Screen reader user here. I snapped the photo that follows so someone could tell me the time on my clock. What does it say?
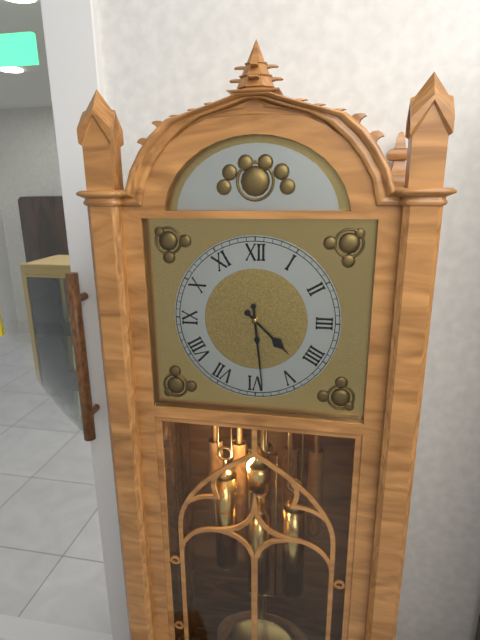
4:29
